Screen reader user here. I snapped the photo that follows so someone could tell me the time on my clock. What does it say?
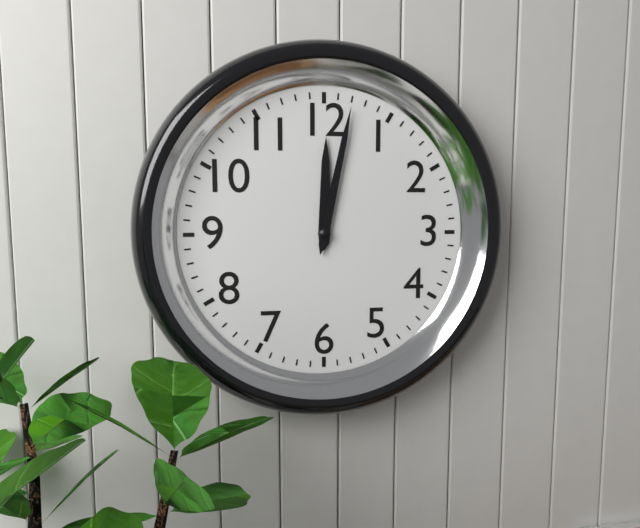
12:02
